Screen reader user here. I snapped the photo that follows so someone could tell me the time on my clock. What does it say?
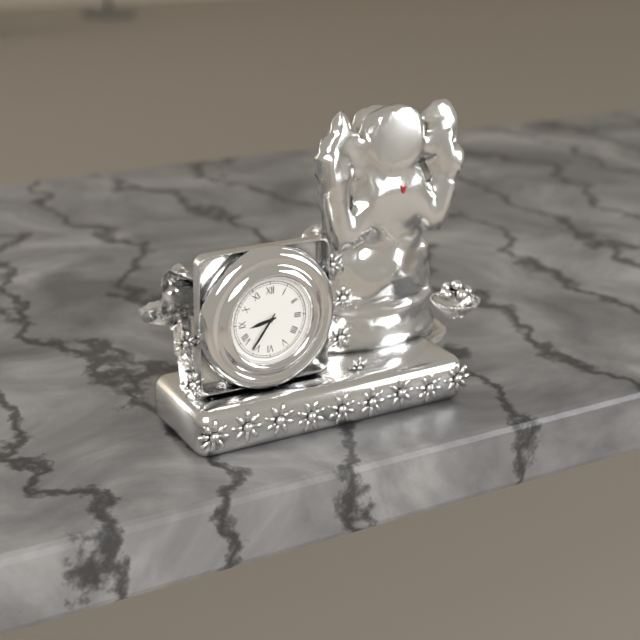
8:36
